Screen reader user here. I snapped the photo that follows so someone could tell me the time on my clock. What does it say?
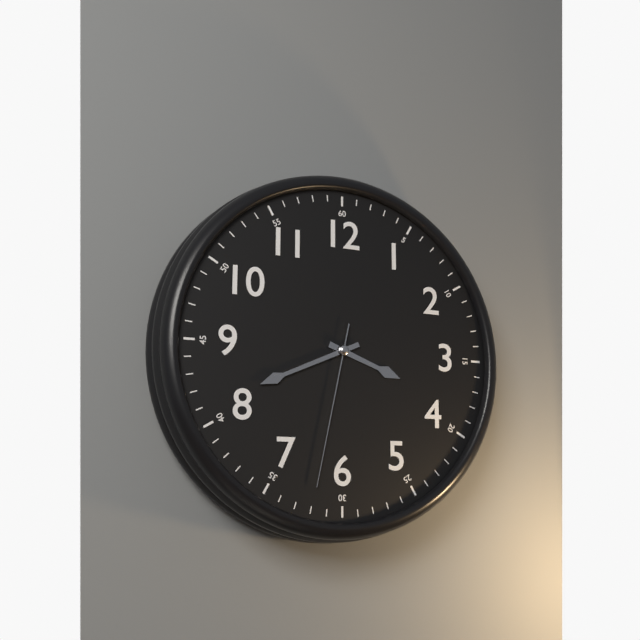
3:41:32
